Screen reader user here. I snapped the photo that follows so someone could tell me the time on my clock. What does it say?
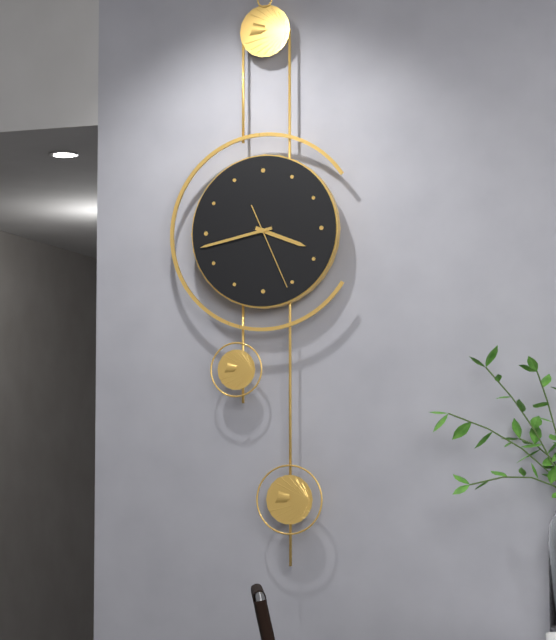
3:43:26
